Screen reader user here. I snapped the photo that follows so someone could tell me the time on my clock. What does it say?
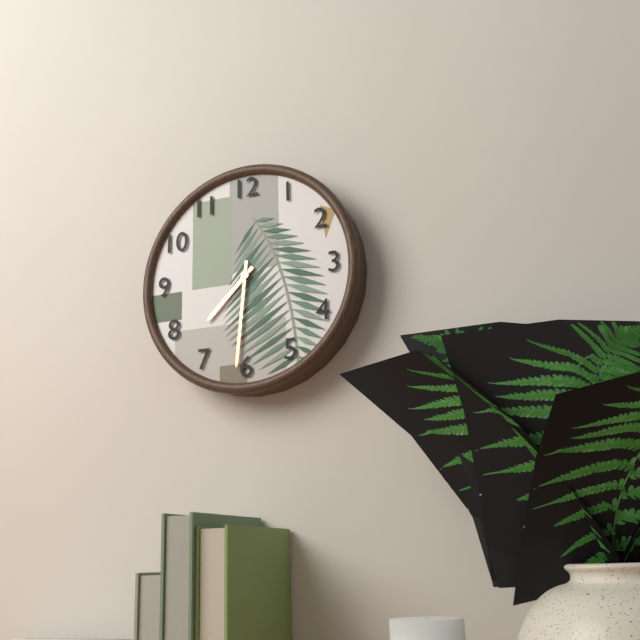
7:31
